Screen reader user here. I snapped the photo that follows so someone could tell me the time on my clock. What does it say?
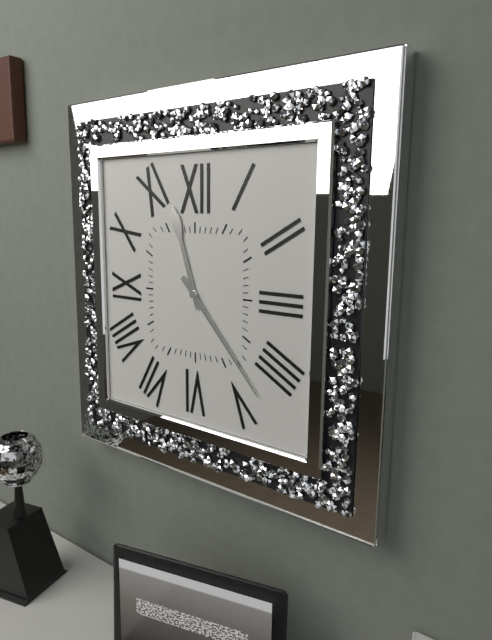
11:23
